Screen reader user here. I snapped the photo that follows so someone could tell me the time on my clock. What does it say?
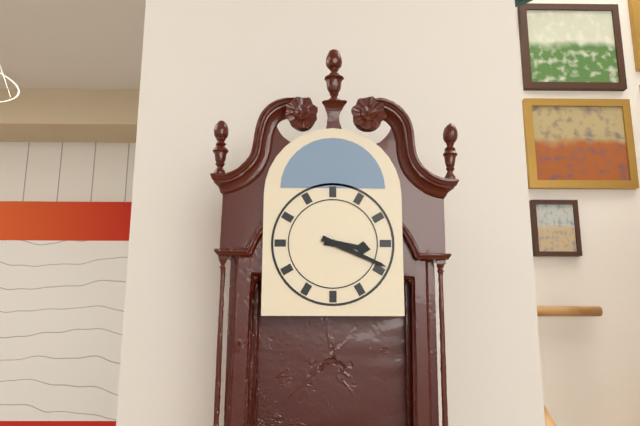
3:19
